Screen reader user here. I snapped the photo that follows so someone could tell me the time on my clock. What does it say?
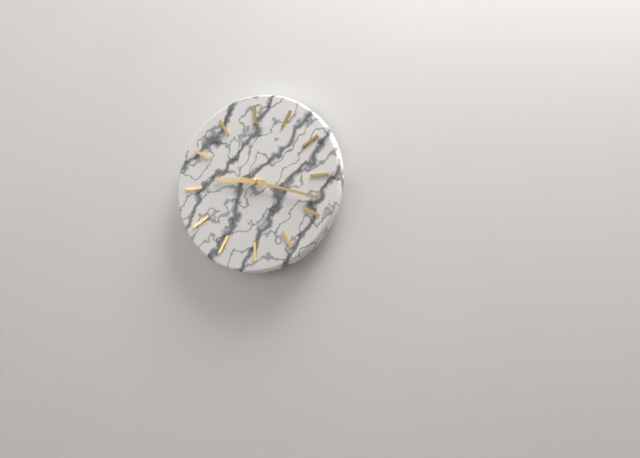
9:18
